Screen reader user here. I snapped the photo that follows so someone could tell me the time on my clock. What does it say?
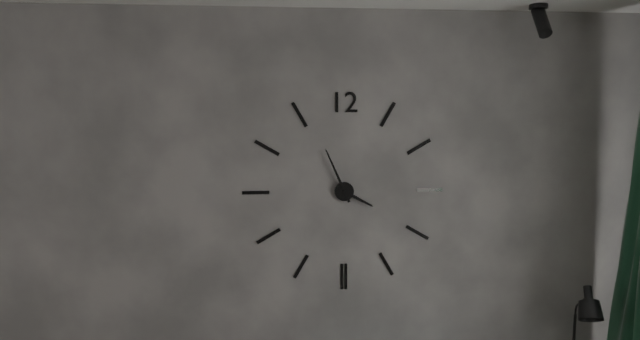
3:56
